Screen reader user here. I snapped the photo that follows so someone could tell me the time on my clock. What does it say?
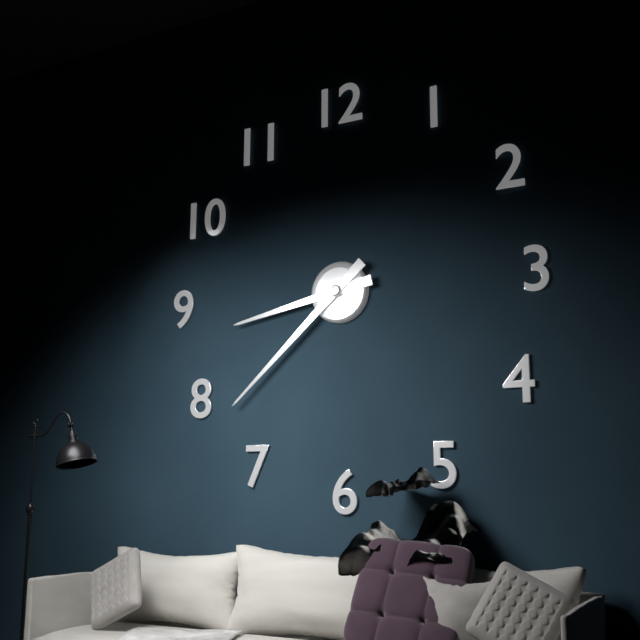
8:38
